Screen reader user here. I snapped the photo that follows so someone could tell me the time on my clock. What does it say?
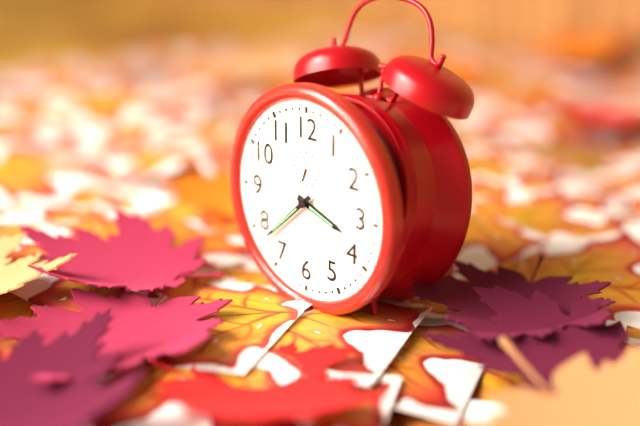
3:38
